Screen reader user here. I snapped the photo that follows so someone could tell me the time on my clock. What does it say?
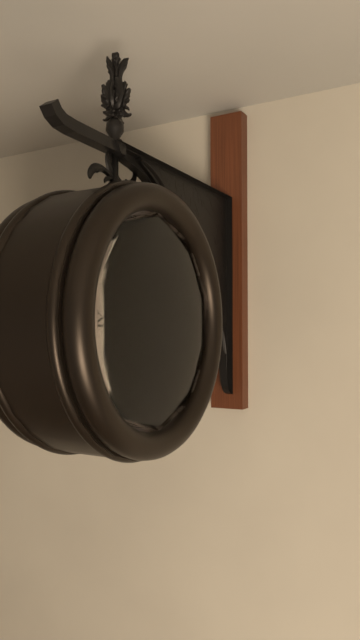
3:50:28
